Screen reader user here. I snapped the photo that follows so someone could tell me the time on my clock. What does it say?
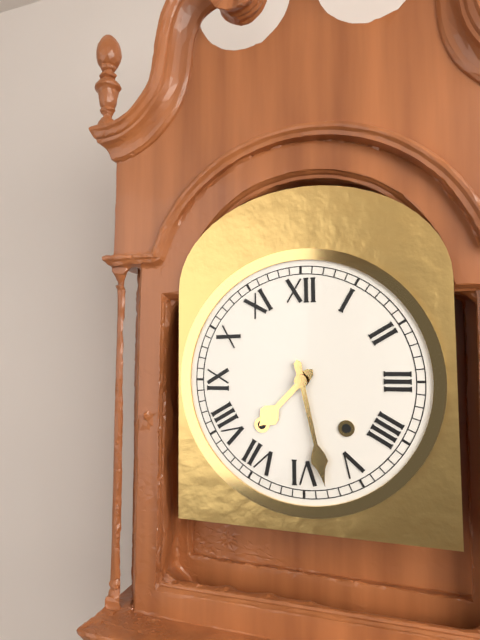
7:28
